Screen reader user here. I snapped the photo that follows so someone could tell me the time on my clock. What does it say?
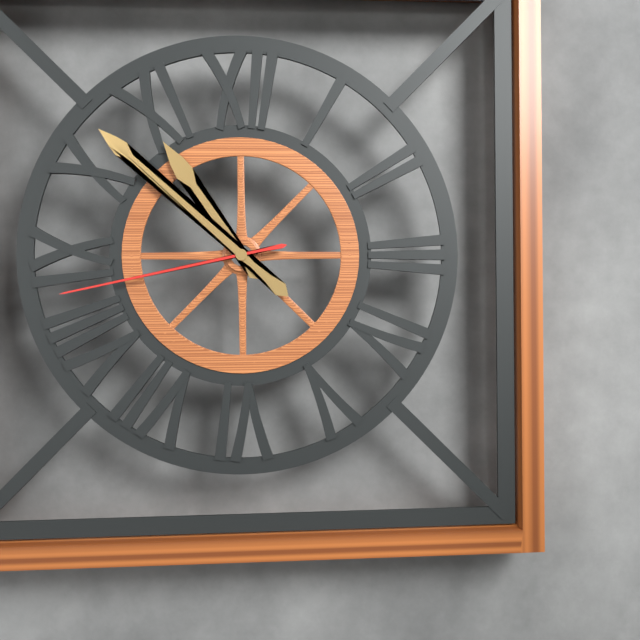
10:52:43
